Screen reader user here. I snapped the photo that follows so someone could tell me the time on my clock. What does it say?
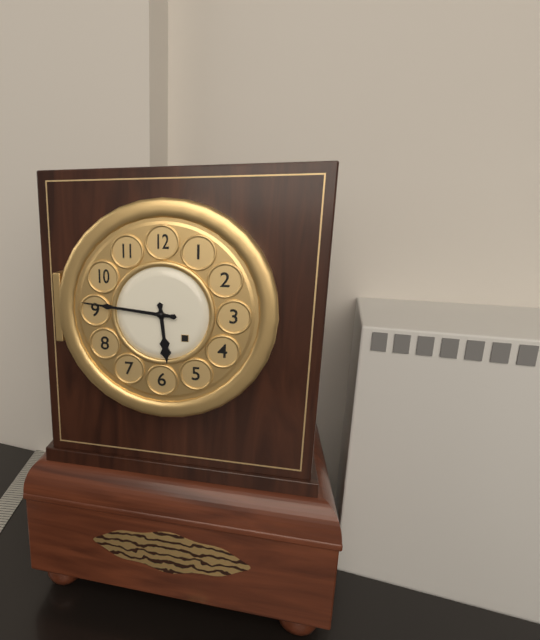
5:46
